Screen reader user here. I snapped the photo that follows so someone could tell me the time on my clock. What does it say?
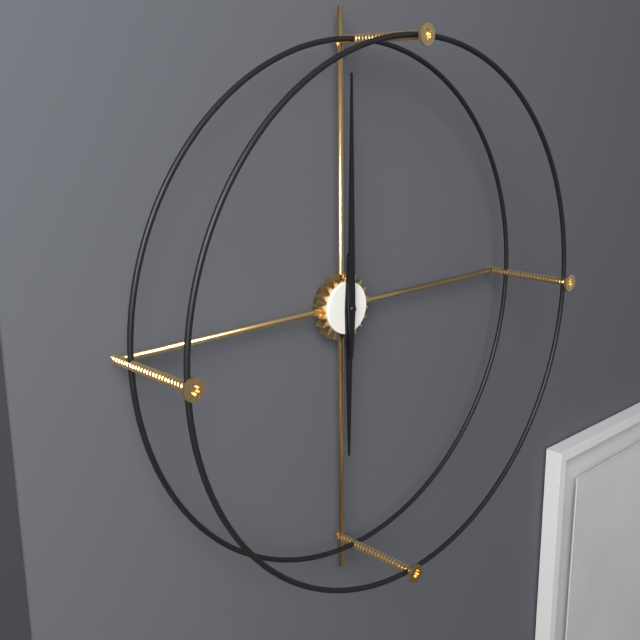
6:00
